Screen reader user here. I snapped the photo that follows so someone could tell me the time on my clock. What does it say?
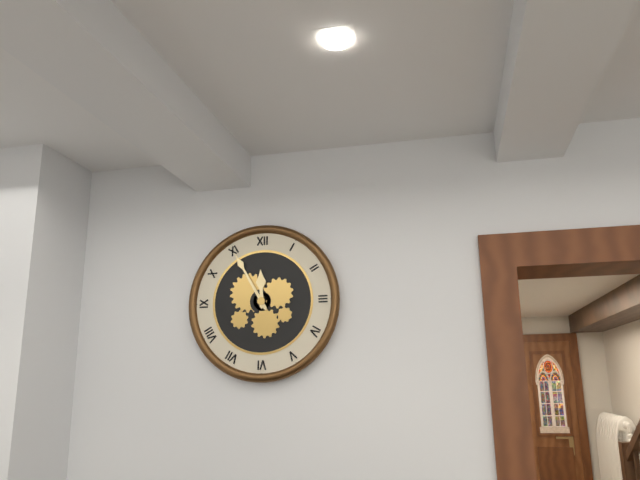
11:55
